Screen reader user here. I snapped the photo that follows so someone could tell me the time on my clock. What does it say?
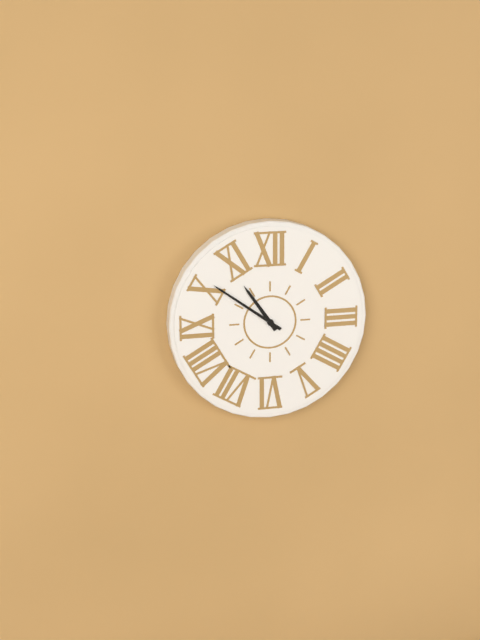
10:51
